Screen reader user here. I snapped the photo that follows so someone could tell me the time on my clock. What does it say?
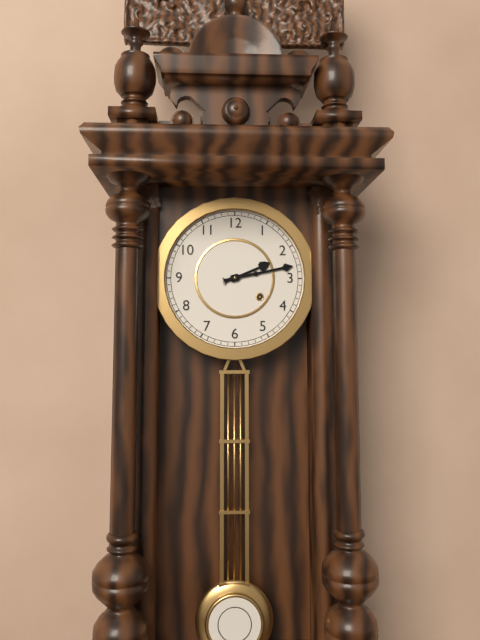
2:13
